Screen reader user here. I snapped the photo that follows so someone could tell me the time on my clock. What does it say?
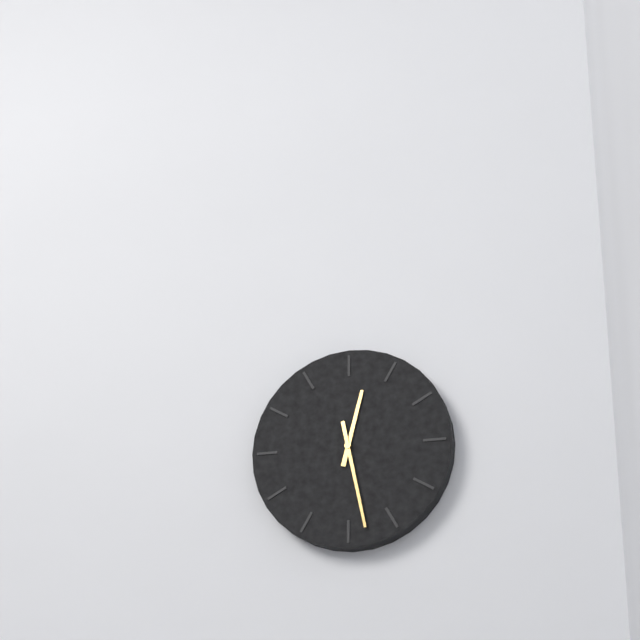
12:28
